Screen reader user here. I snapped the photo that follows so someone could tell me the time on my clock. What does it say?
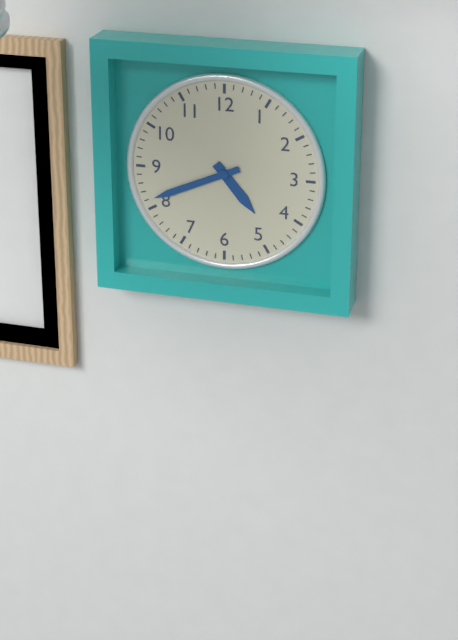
4:41
